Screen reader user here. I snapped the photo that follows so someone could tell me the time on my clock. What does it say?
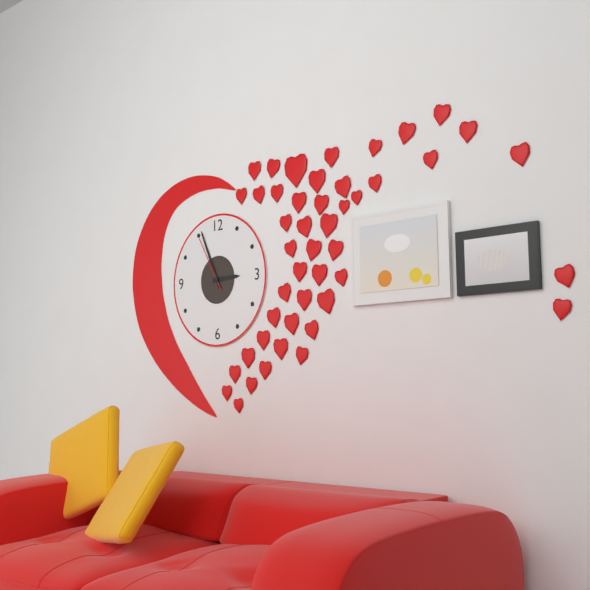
2:56:55
